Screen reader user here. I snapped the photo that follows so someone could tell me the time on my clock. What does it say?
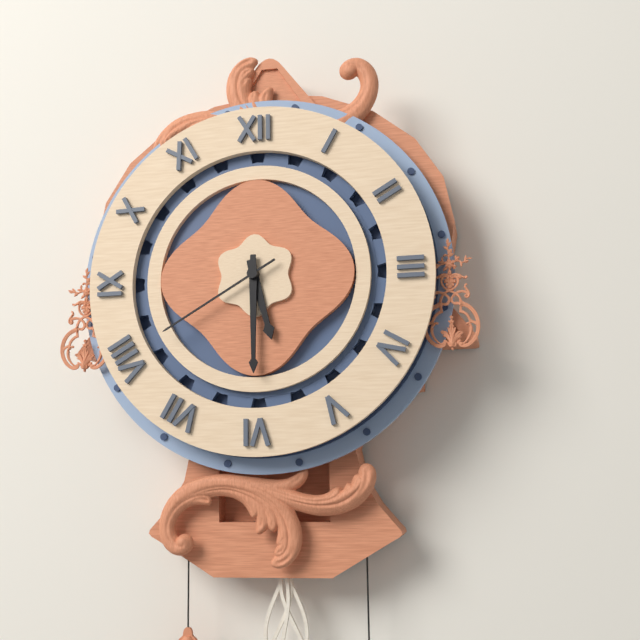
5:30:40
